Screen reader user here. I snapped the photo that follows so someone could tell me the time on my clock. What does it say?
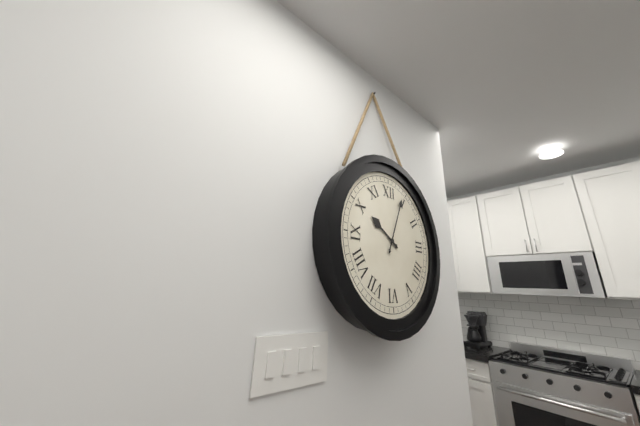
10:04
